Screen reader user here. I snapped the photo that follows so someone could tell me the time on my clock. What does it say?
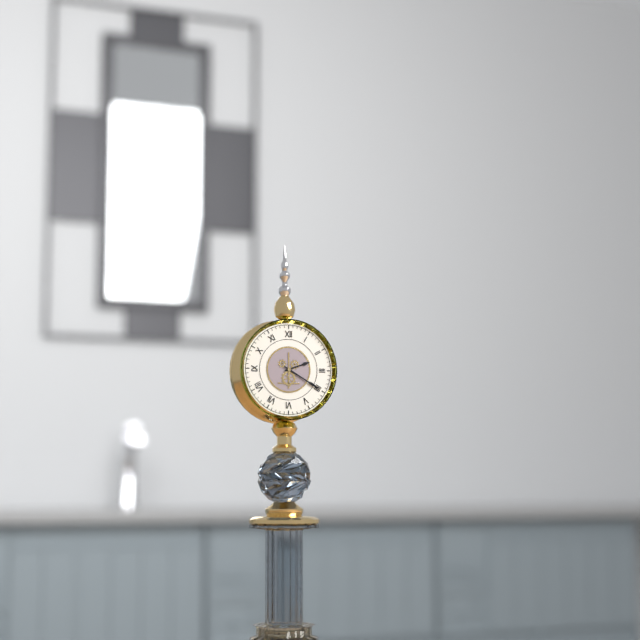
2:20
